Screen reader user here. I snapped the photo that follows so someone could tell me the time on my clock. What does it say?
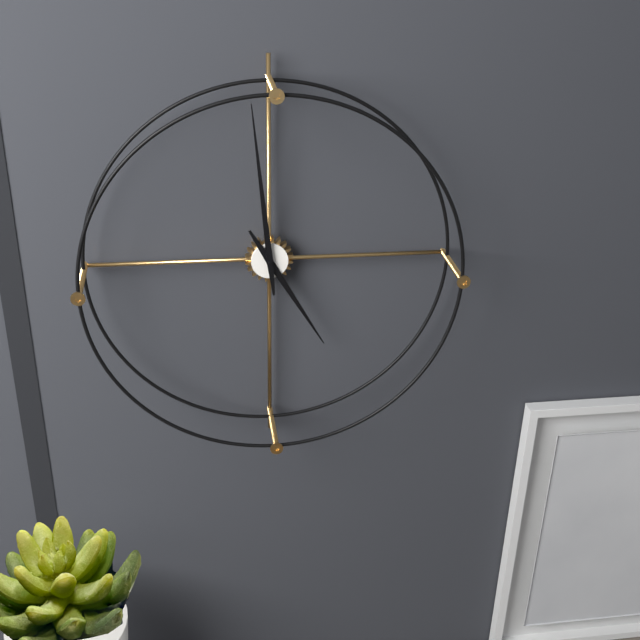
4:59
